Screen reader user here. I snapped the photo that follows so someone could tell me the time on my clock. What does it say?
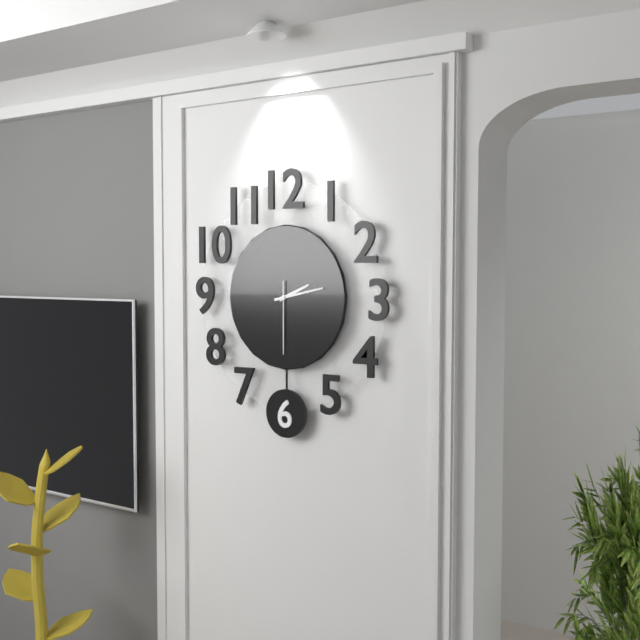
2:13:30
